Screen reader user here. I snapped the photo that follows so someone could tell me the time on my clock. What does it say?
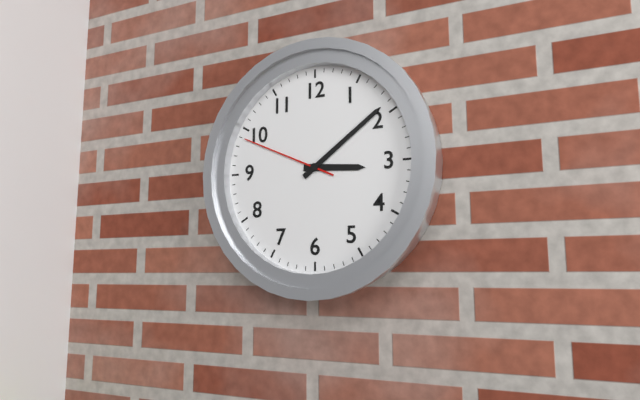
3:09:49
